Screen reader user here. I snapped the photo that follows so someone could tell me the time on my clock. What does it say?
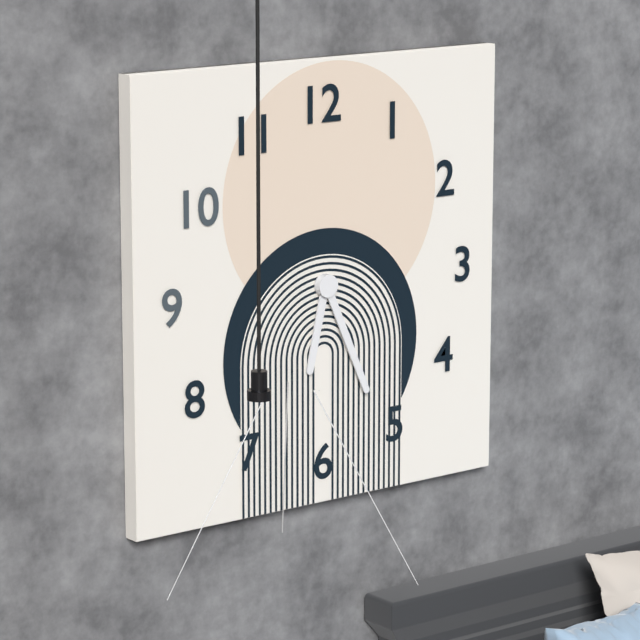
6:26
